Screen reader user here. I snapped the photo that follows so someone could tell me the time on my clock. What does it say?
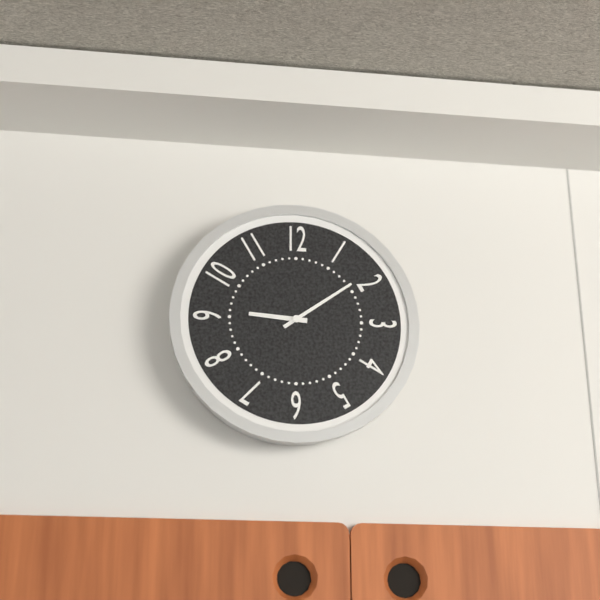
9:09
